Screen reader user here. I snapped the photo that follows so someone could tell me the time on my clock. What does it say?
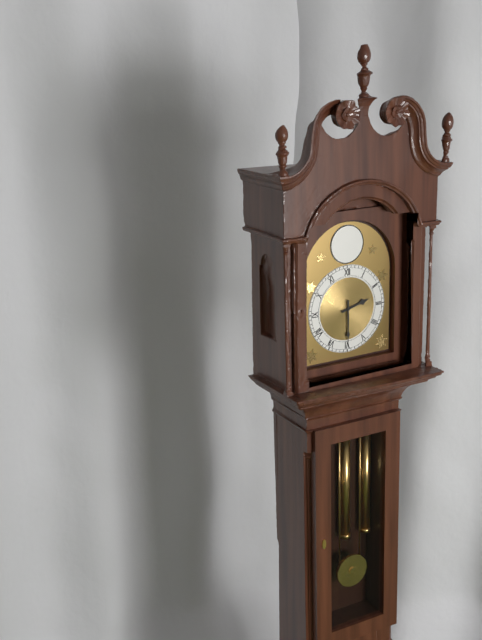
2:30
